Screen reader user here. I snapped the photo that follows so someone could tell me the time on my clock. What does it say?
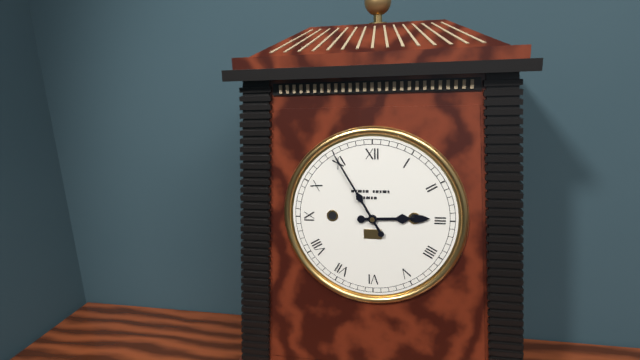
2:55
